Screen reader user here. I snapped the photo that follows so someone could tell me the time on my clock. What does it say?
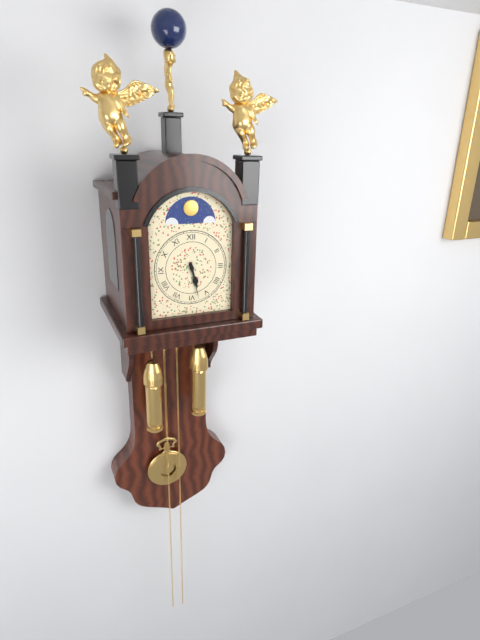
5:28
